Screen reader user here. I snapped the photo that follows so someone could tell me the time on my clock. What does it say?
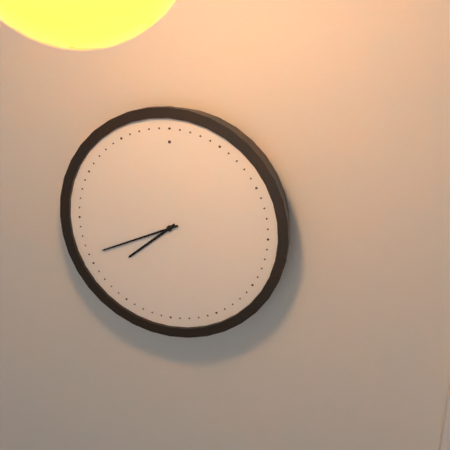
7:41
